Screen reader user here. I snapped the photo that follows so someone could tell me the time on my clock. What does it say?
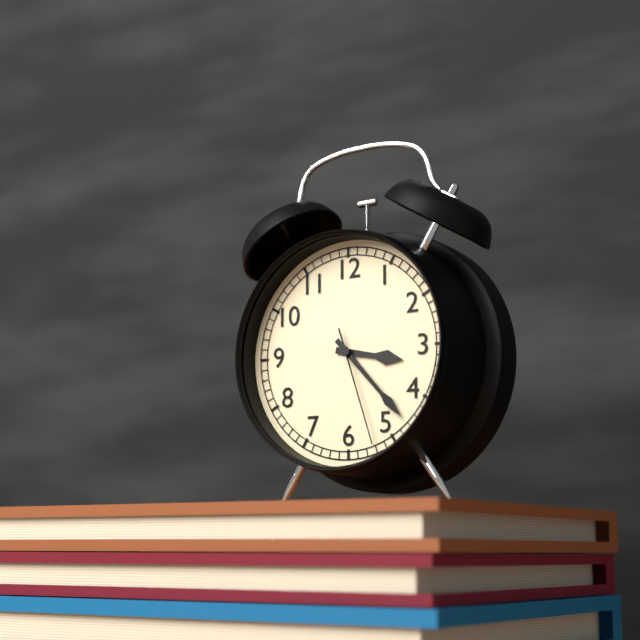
3:23:27
